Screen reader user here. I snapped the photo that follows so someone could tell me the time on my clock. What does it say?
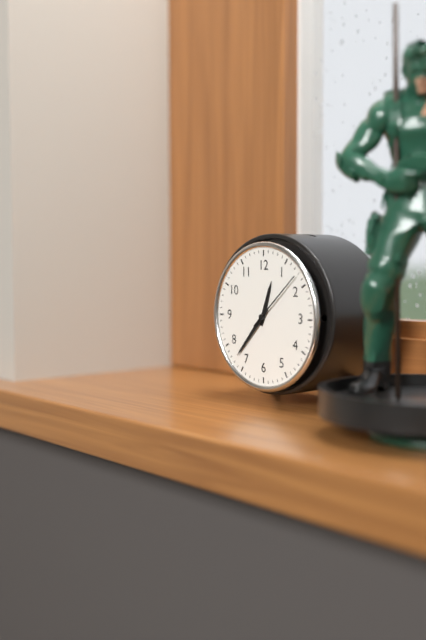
12:37:08
